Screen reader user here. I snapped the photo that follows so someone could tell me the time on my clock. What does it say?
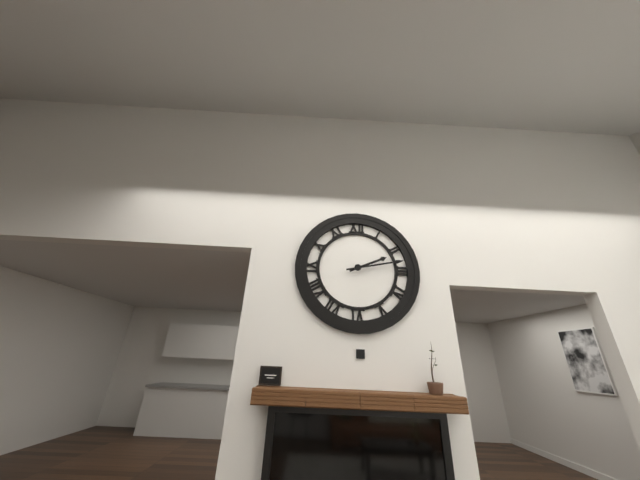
2:13
